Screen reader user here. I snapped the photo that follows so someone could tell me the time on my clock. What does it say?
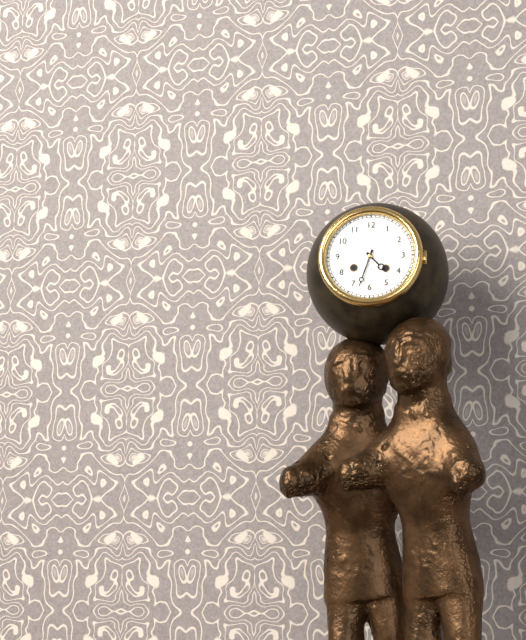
4:33
